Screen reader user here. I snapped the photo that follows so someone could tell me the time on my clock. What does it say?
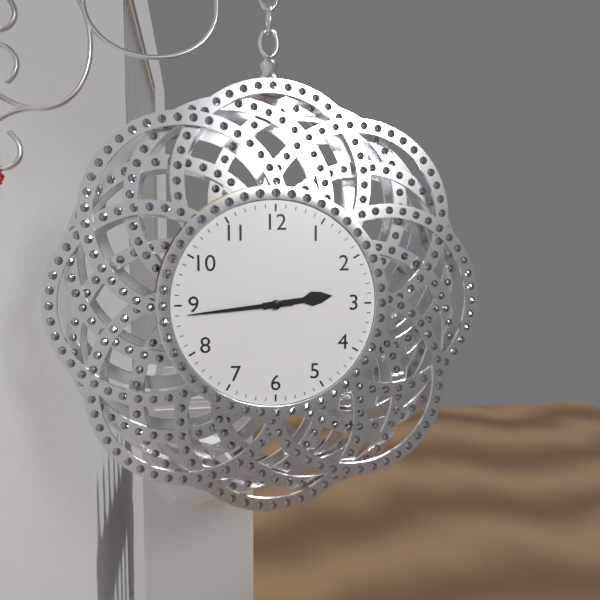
2:44
